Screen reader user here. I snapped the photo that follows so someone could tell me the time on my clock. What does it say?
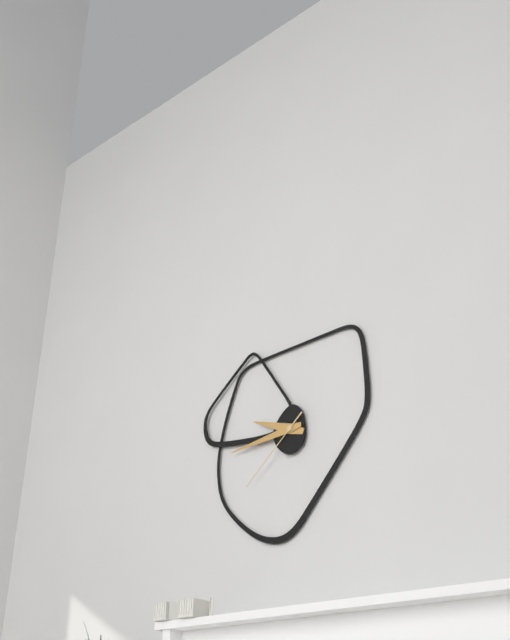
9:44:38
